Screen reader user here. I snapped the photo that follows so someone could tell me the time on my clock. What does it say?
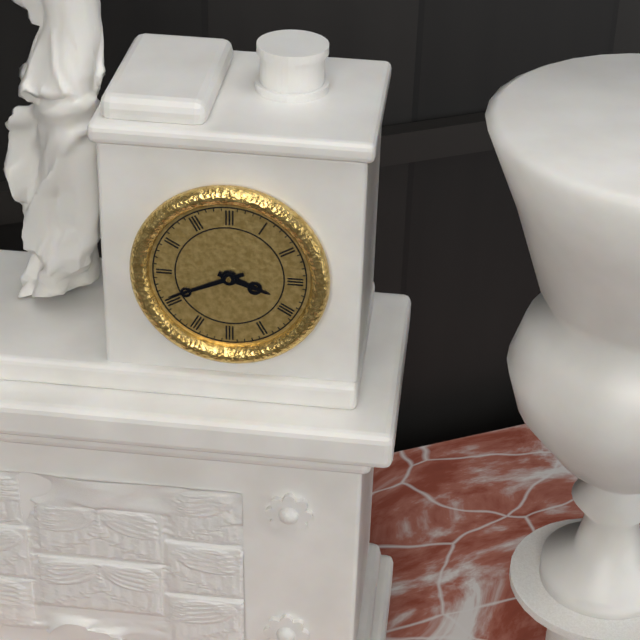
3:41
